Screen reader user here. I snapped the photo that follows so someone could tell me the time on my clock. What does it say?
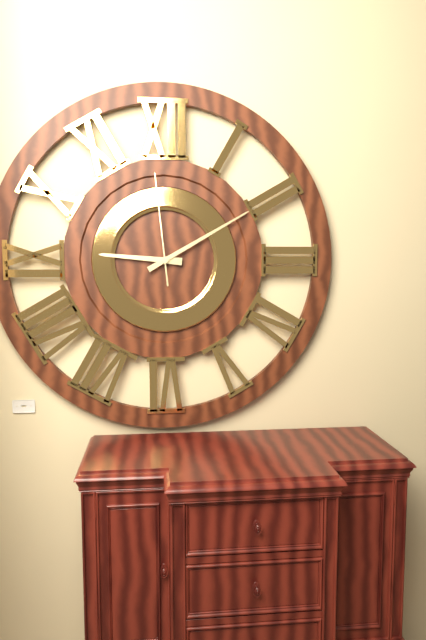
9:10:59
